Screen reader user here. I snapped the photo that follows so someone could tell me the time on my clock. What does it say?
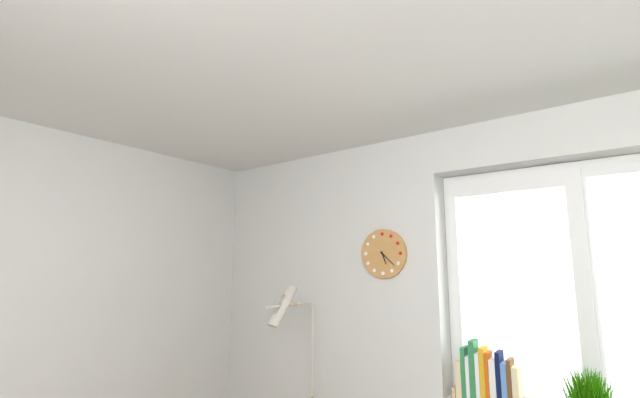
5:22
